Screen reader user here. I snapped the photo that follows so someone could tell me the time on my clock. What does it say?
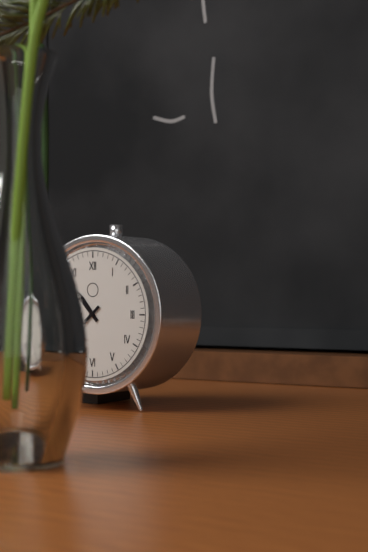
10:38
